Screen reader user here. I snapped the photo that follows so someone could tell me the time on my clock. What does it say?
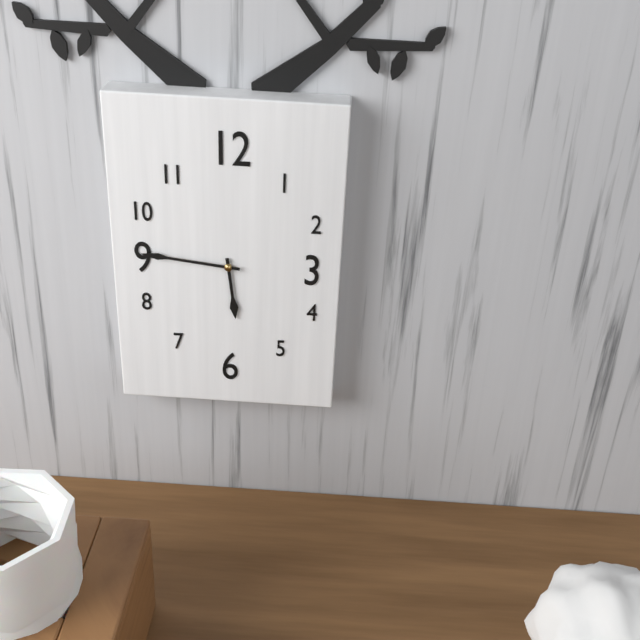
5:46
